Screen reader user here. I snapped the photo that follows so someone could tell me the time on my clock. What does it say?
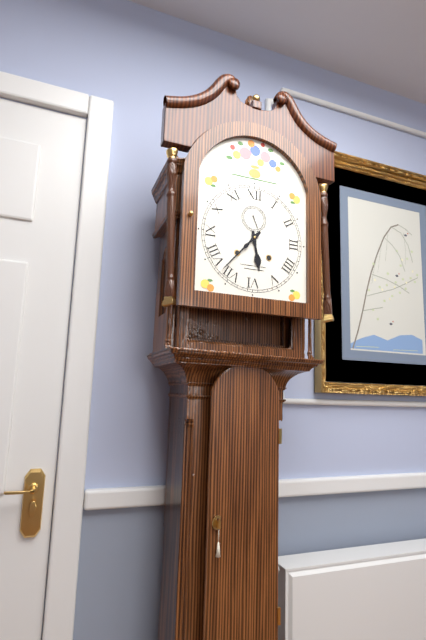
5:37
